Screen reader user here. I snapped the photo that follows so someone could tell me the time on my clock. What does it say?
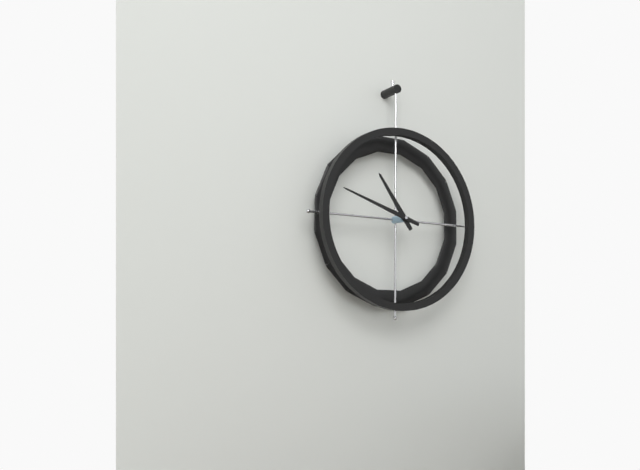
10:48
